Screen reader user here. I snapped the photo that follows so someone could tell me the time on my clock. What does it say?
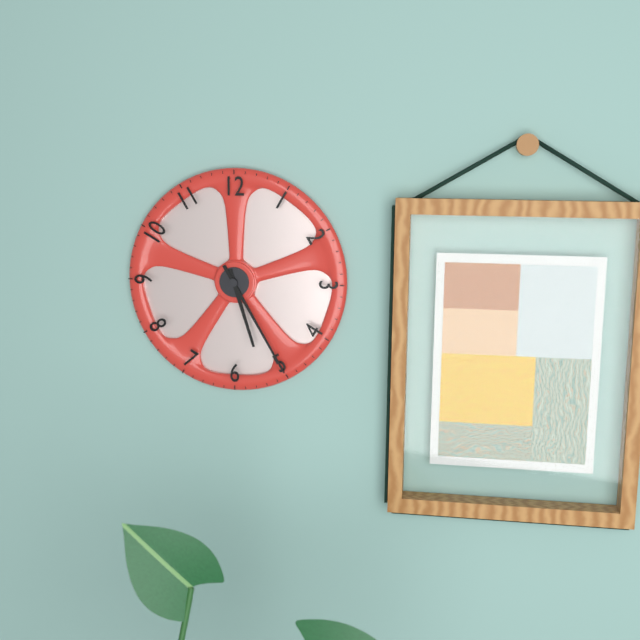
5:25
